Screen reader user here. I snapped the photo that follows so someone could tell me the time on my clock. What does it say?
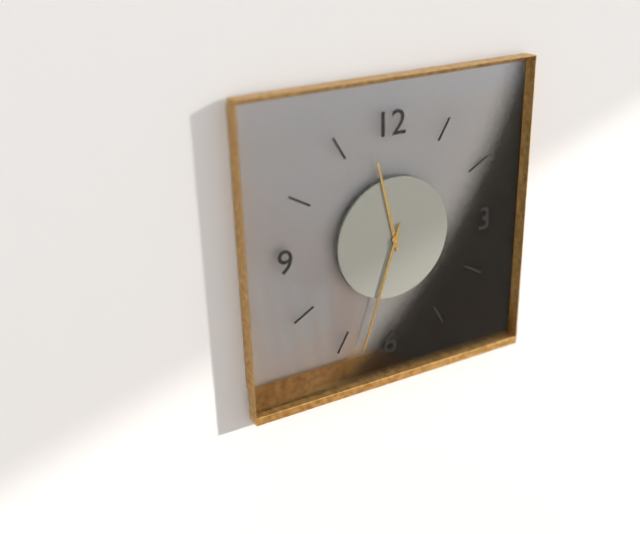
11:33
